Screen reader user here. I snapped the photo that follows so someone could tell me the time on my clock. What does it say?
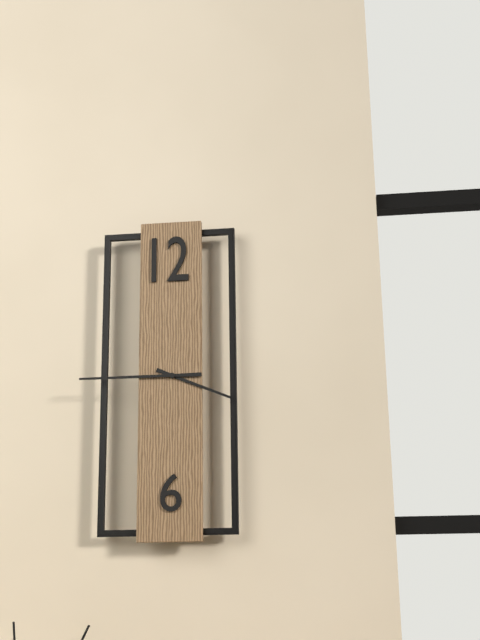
3:45
